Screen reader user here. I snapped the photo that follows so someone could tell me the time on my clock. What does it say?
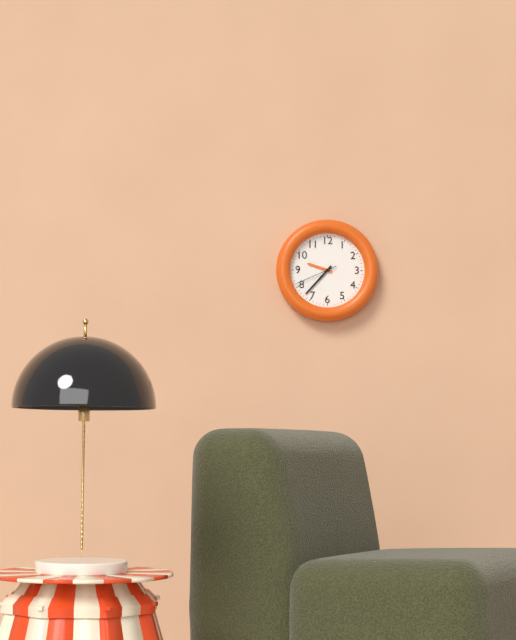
9:37
